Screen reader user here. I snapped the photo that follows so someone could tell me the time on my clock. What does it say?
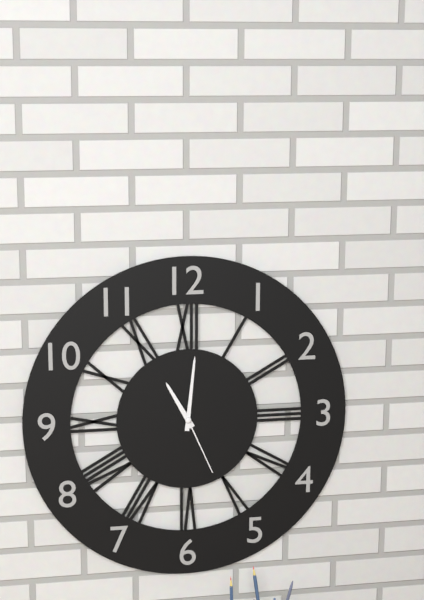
11:01:26
